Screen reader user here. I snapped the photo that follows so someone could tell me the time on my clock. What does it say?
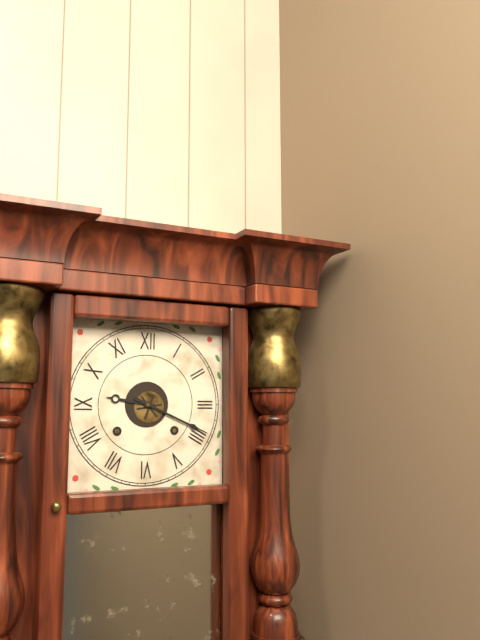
9:19
